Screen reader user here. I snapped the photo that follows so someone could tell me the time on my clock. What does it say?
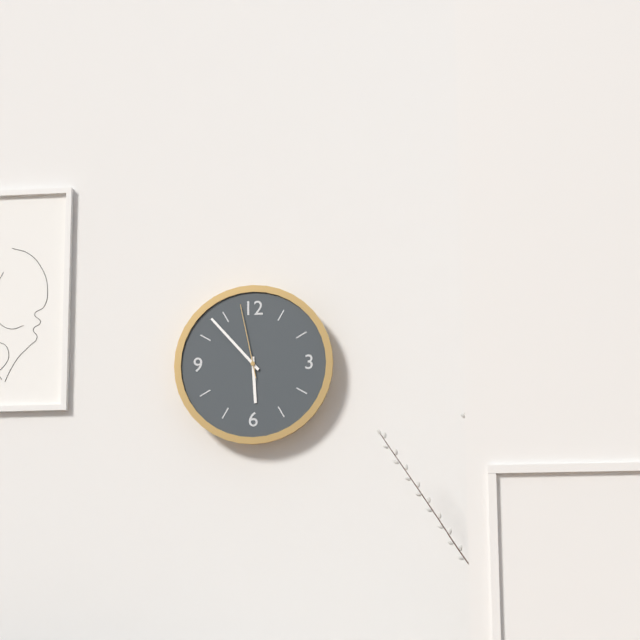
5:53:58
